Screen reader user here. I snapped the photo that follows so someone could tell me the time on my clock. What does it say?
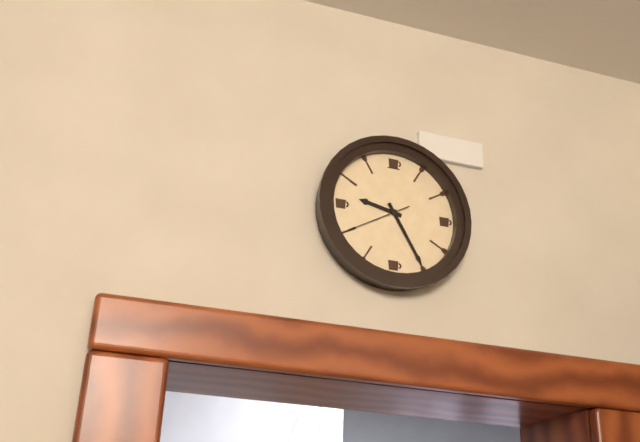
9:25:40
